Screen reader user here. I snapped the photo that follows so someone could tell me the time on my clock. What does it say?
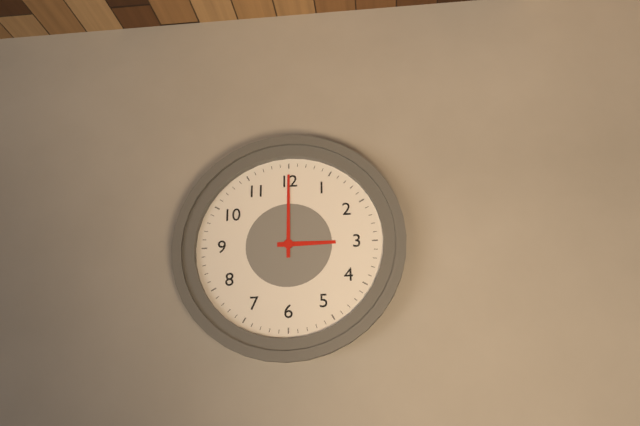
3:00
